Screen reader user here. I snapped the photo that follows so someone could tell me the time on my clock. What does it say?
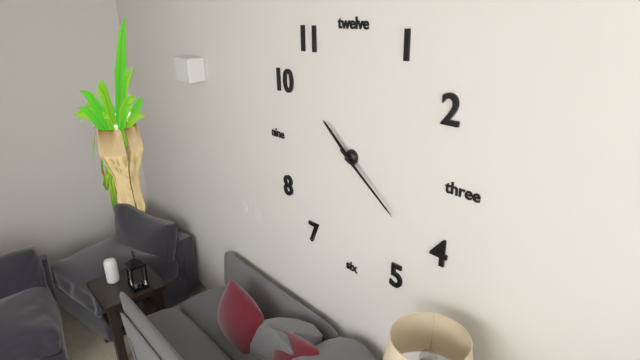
10:21
